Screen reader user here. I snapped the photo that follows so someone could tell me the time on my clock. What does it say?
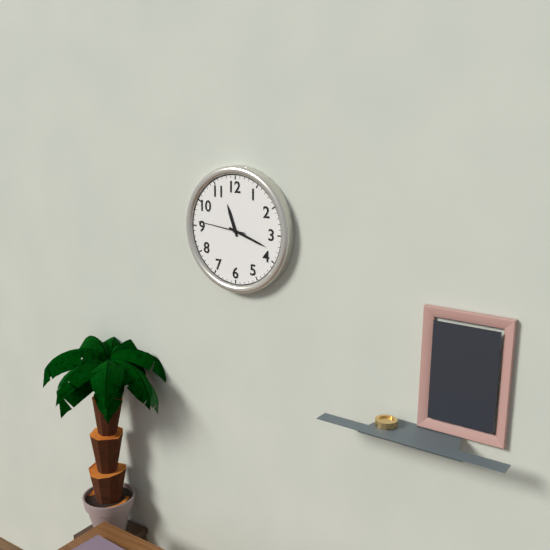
11:18
